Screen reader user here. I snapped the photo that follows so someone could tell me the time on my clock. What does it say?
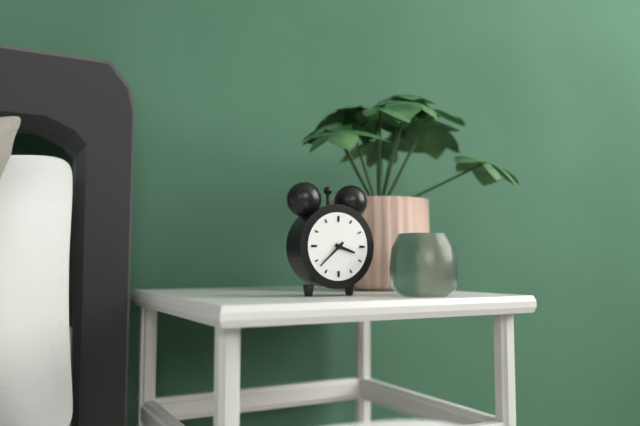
3:38
